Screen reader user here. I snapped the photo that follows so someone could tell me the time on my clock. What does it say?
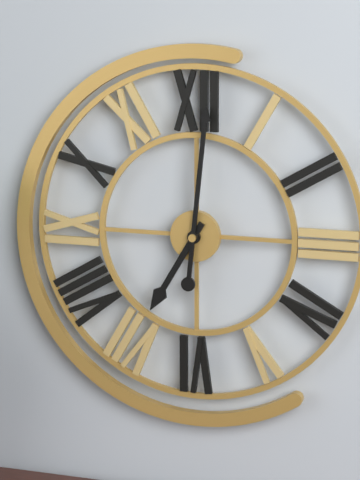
7:01
